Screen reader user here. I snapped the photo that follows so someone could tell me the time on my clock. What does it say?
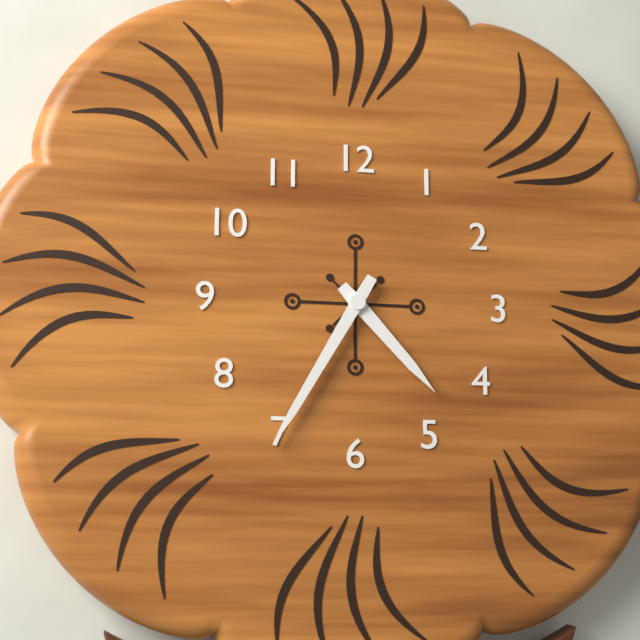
4:35
